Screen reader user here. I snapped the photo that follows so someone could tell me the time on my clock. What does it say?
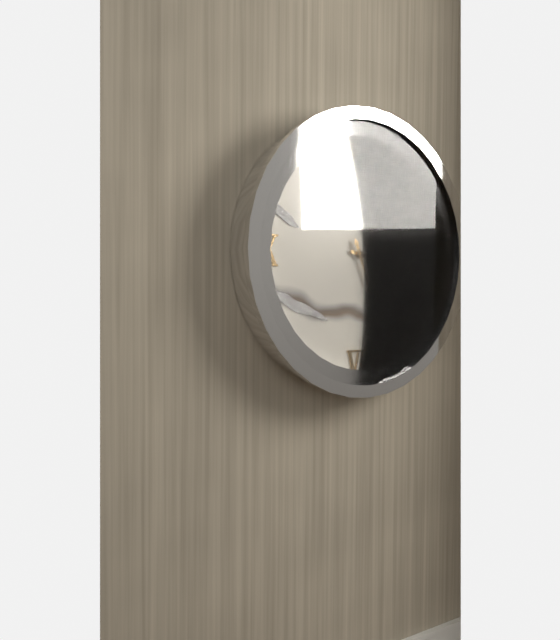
3:26
